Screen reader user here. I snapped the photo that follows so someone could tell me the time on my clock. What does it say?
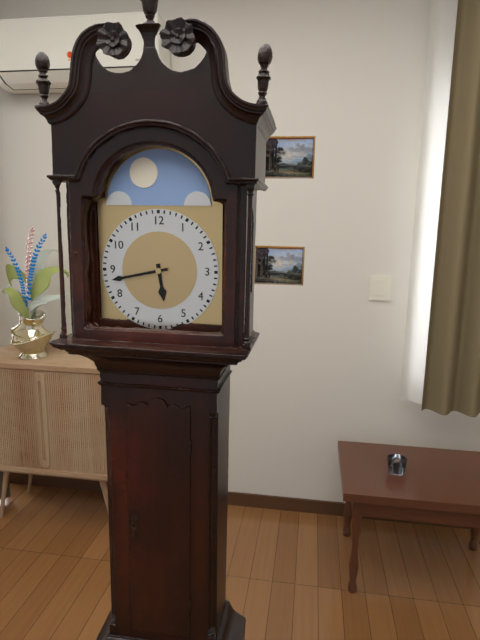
5:43
